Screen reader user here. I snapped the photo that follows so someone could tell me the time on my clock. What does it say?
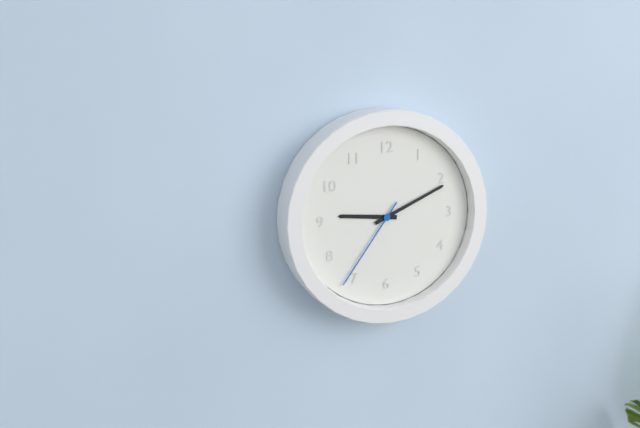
9:11:36
